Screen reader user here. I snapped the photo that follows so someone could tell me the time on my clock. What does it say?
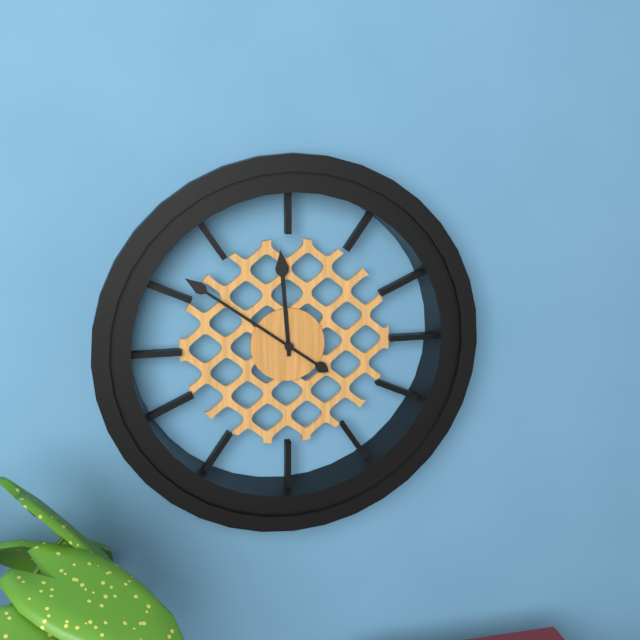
11:51
